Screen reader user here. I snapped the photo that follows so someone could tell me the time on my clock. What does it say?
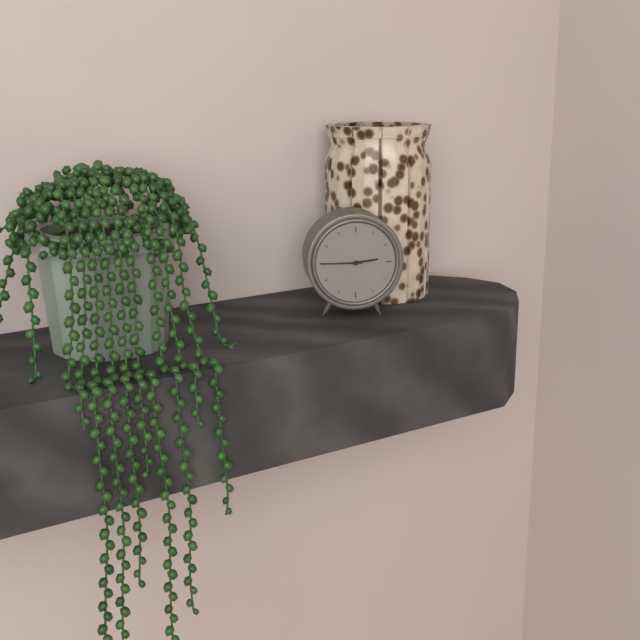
2:45
